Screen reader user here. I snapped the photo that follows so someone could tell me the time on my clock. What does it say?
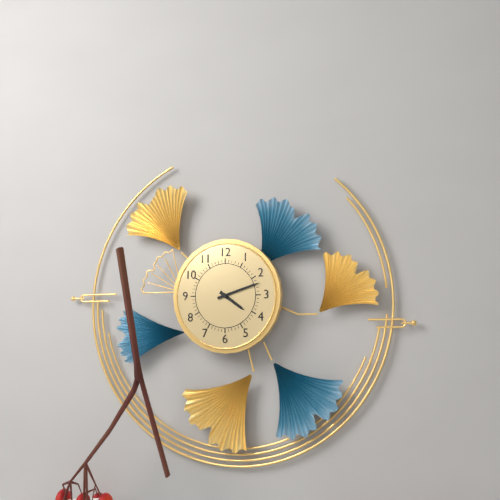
4:12
